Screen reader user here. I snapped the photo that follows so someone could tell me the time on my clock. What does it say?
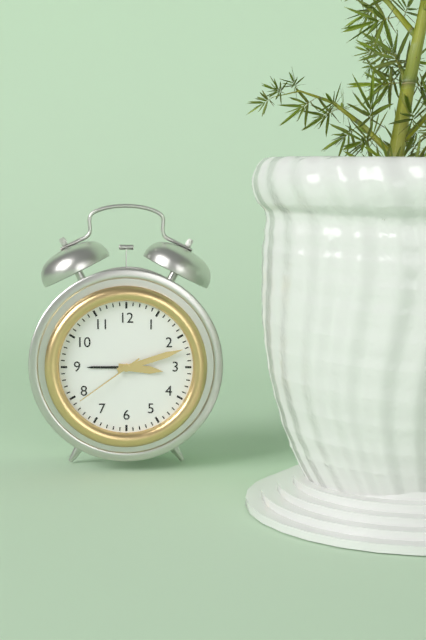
3:12:39
